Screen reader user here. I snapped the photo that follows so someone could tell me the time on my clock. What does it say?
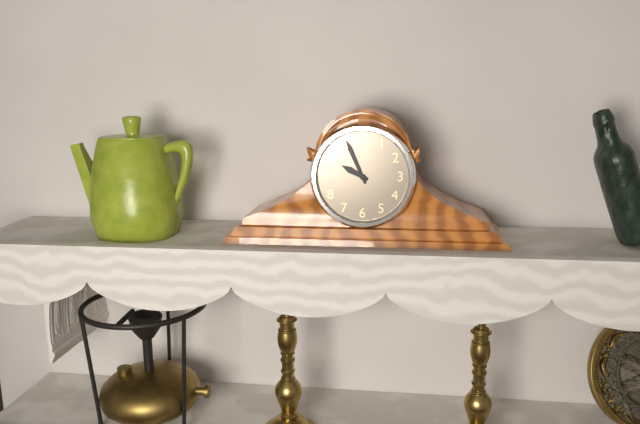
9:56
